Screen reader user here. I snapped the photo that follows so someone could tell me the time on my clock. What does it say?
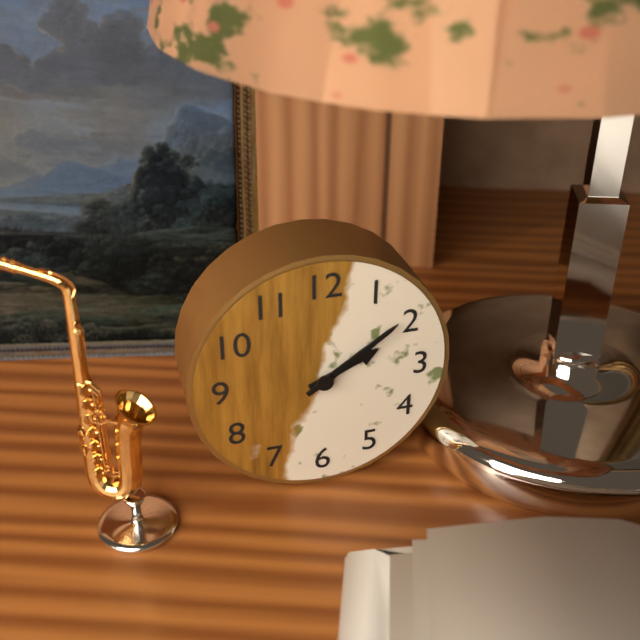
2:09
